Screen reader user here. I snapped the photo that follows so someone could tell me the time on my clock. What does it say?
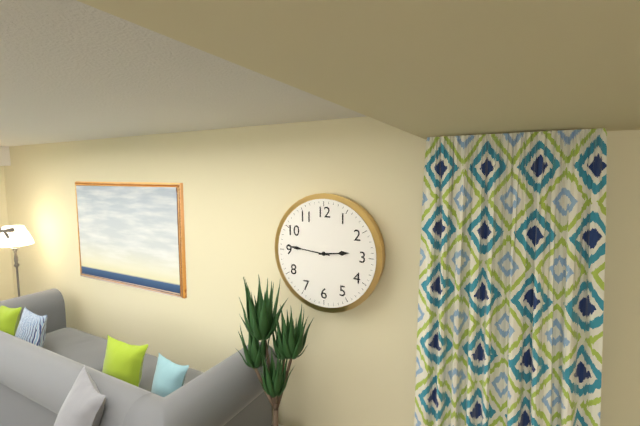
2:46
